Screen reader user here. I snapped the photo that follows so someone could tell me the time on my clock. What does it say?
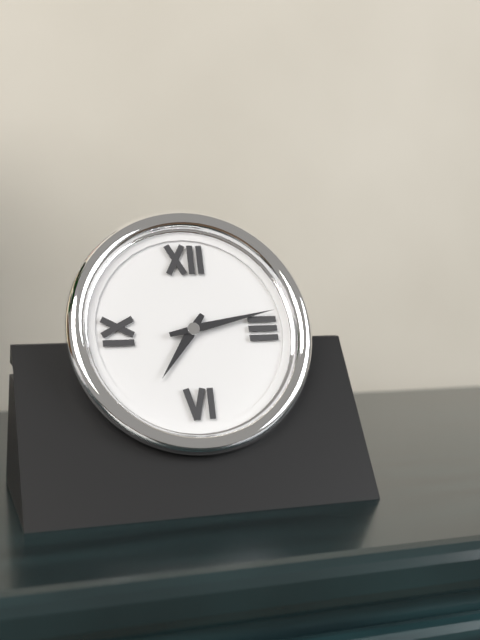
7:13
